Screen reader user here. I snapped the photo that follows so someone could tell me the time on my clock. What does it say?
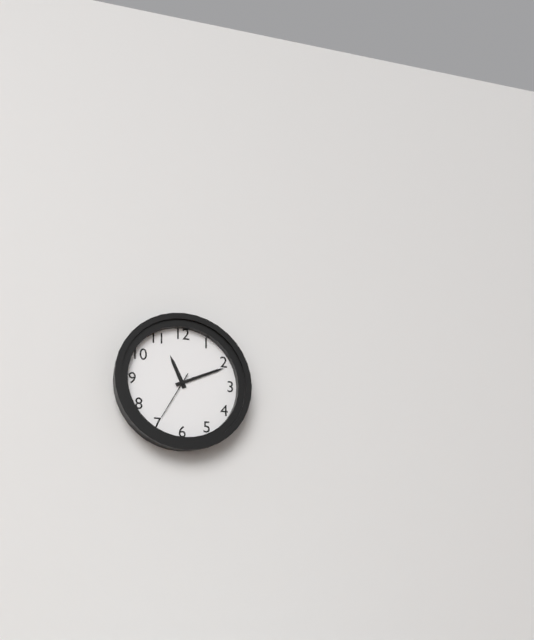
11:11:35
